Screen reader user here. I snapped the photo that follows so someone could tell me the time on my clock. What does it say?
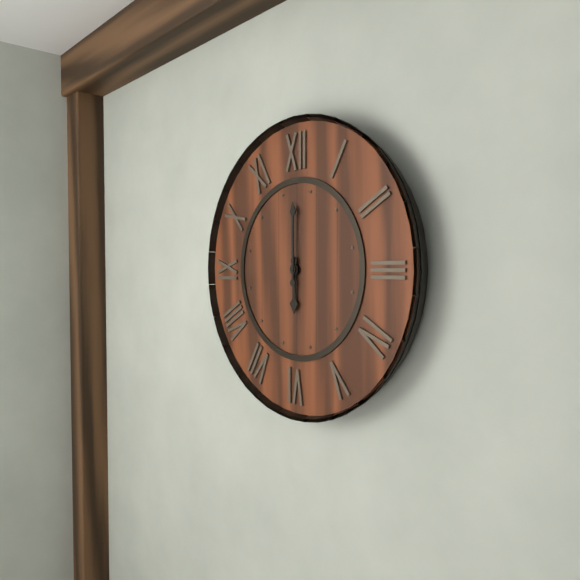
6:00
